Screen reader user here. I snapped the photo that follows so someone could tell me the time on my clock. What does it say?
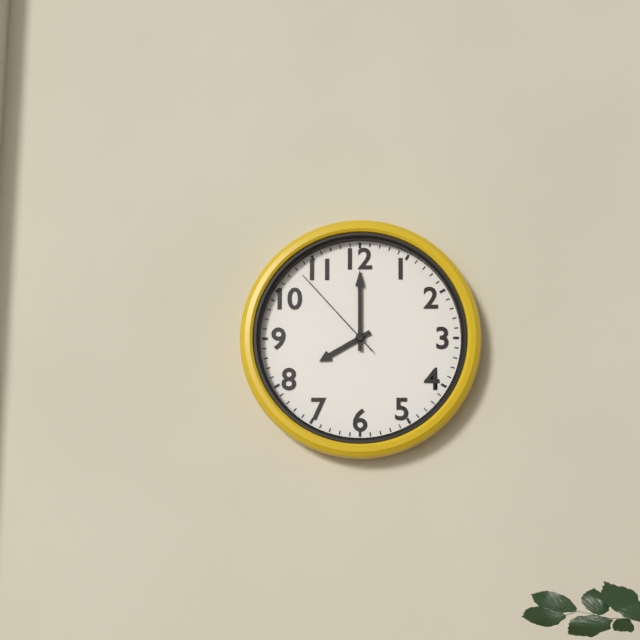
8:00:53
